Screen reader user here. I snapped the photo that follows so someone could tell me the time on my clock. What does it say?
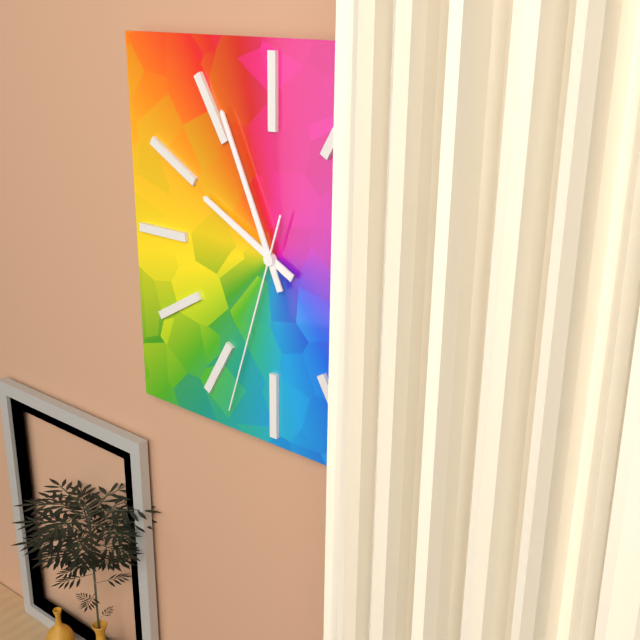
9:56:33
